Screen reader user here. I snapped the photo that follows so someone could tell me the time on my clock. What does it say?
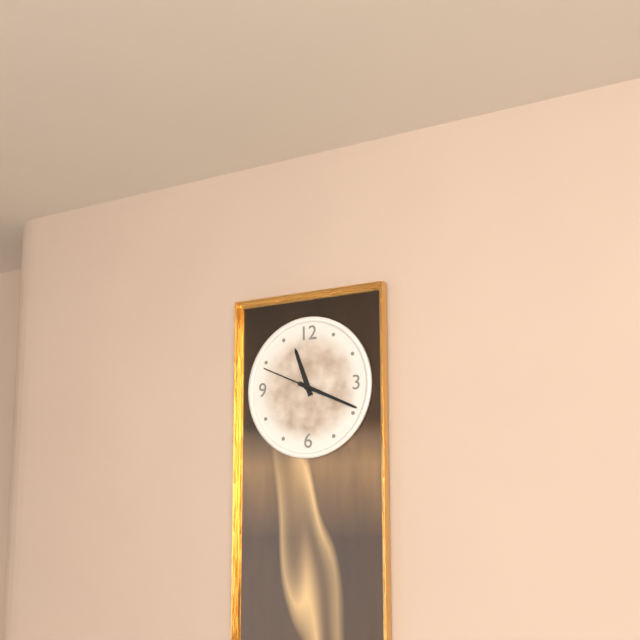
11:19:49
